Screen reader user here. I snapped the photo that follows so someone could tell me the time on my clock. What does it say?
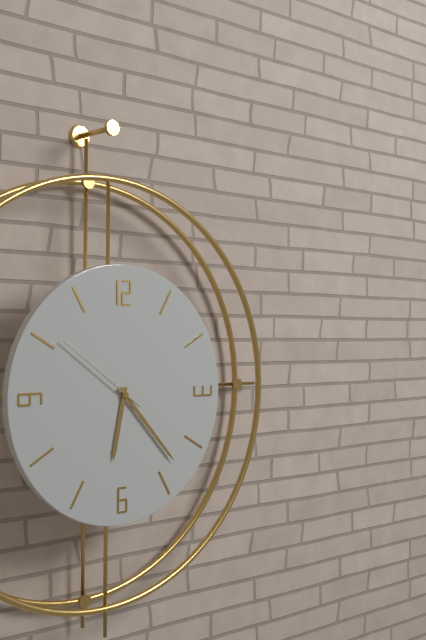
6:23:51
